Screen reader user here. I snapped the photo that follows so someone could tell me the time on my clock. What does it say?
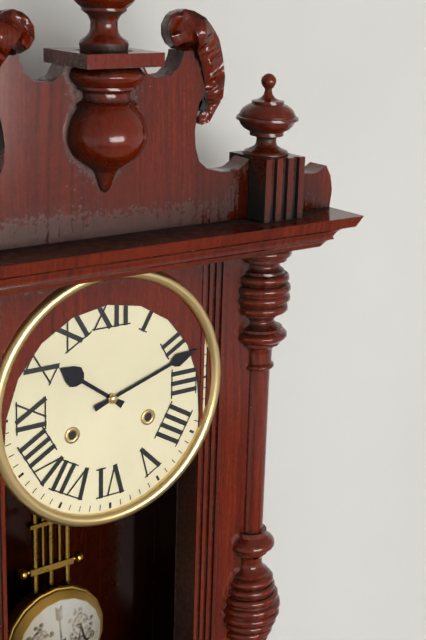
10:12
